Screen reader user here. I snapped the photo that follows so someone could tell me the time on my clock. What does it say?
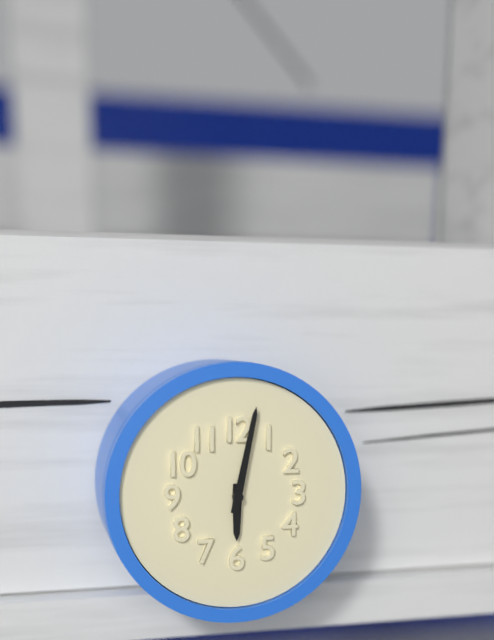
6:02
